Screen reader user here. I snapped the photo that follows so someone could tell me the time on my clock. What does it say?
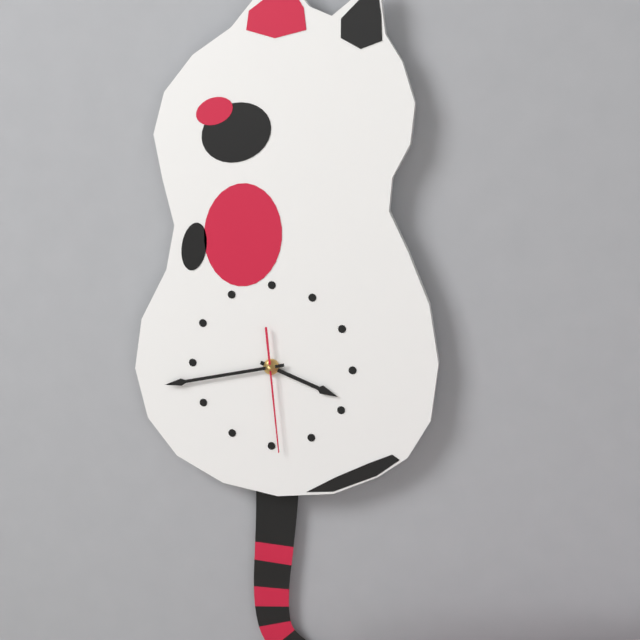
3:43:29
